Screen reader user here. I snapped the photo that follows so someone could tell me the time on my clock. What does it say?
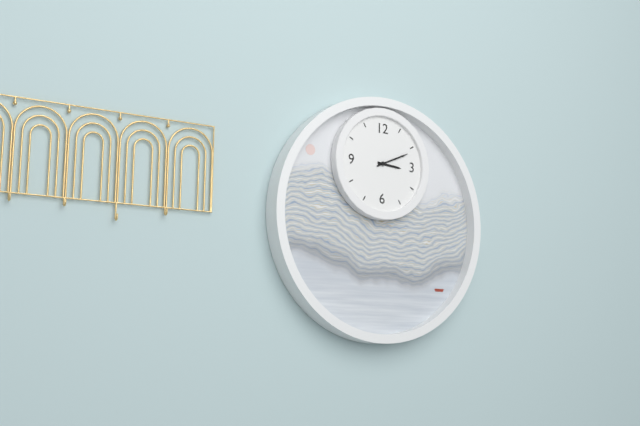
3:11
